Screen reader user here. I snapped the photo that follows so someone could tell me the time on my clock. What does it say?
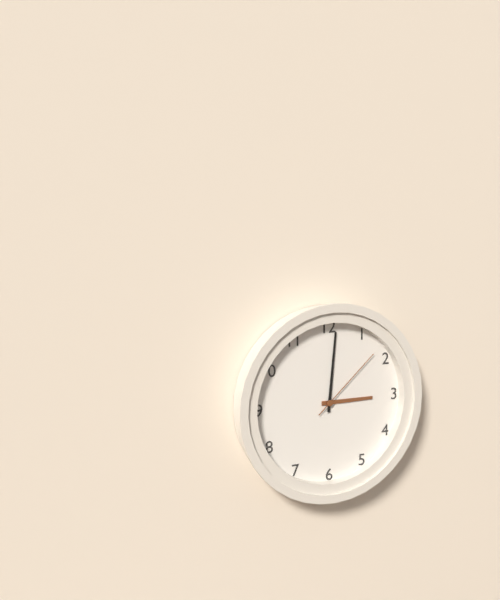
3:01:08
